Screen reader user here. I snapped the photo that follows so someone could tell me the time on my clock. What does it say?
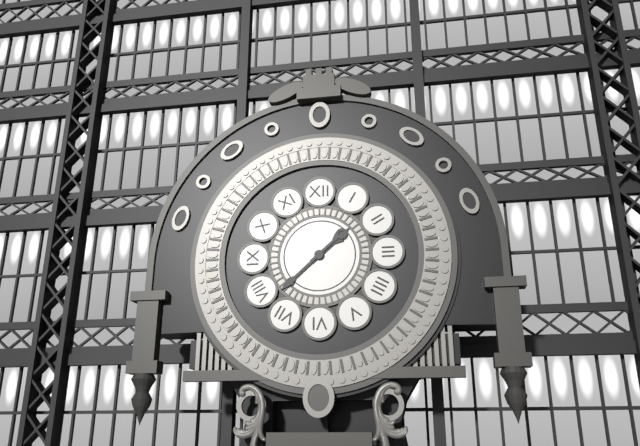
1:38
